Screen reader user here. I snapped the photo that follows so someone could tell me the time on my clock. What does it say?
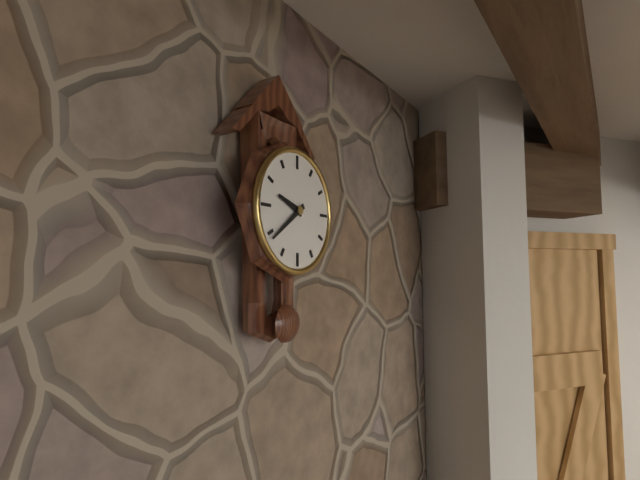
9:39
